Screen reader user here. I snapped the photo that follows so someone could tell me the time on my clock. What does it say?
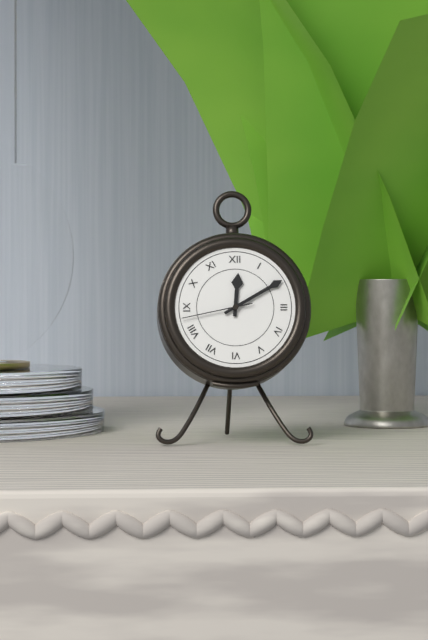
12:10:43
